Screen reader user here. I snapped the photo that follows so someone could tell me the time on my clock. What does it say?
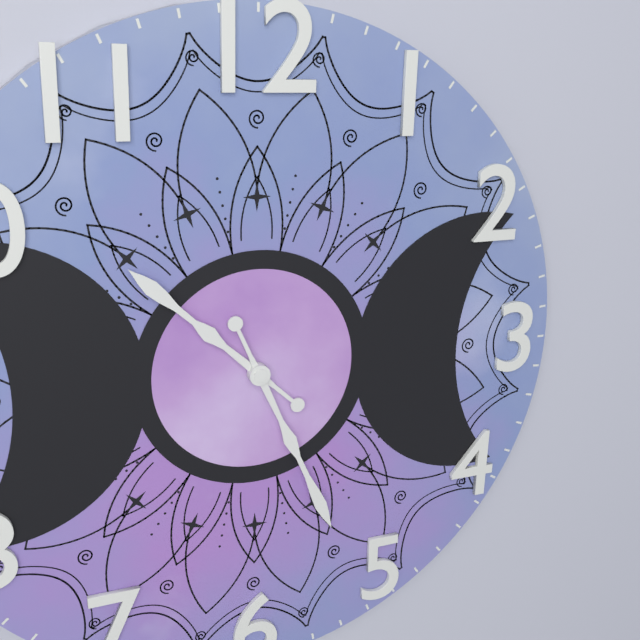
10:26
